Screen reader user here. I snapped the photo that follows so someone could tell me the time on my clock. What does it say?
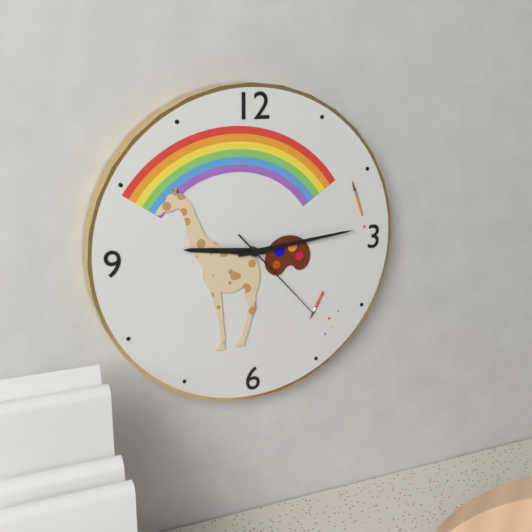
9:14:23
